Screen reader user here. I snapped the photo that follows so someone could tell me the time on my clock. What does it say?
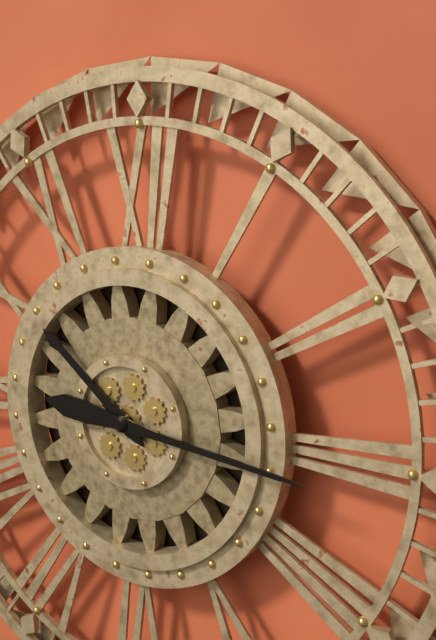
10:16
